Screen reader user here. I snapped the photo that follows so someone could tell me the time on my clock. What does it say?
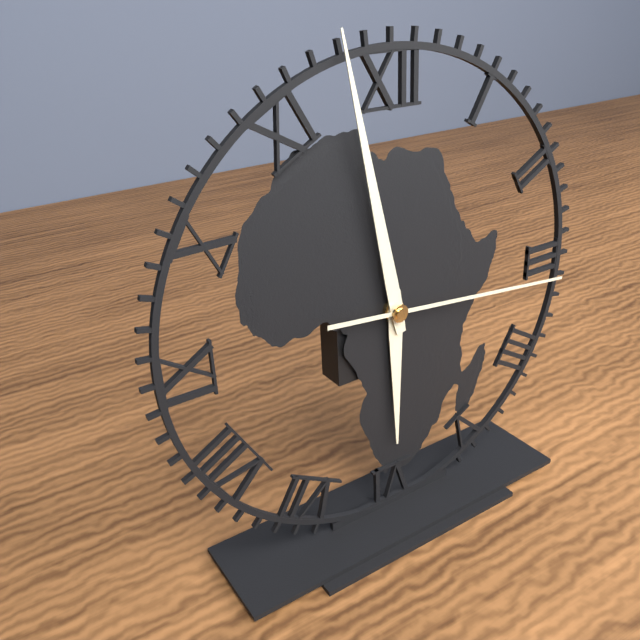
5:58:16
